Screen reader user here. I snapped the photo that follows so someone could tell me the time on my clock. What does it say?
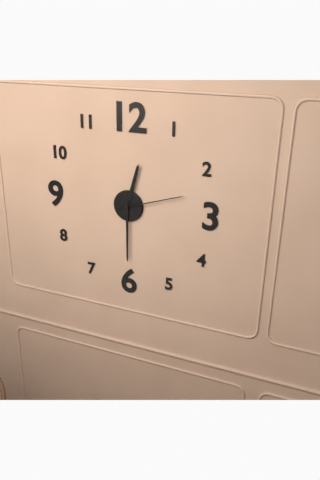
12:30:12
